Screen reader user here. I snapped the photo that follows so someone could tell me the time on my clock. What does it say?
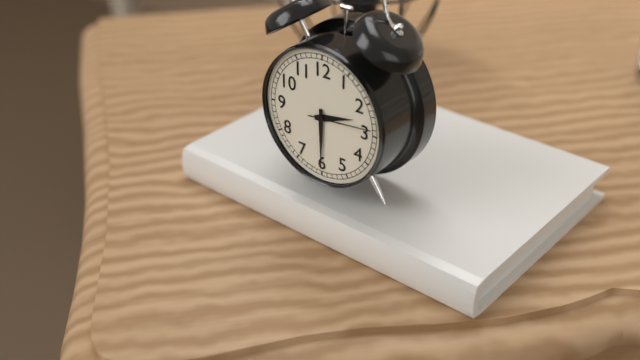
2:30:14
